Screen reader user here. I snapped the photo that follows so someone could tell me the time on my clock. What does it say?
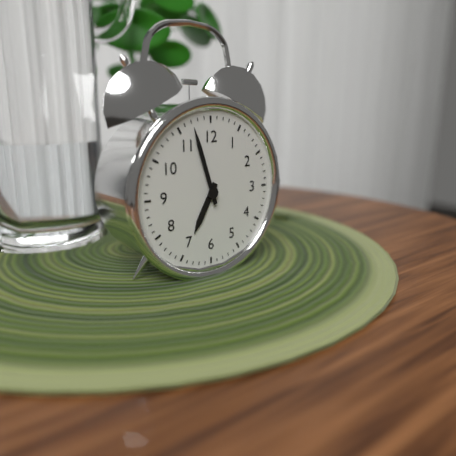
6:57
